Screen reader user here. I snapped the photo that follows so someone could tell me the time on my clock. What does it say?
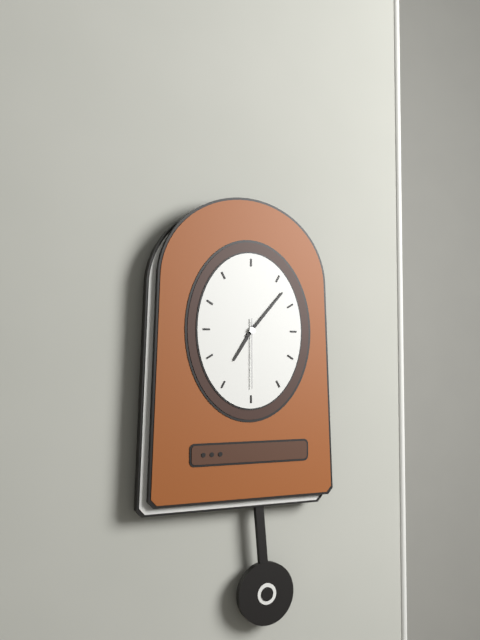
7:07:30
